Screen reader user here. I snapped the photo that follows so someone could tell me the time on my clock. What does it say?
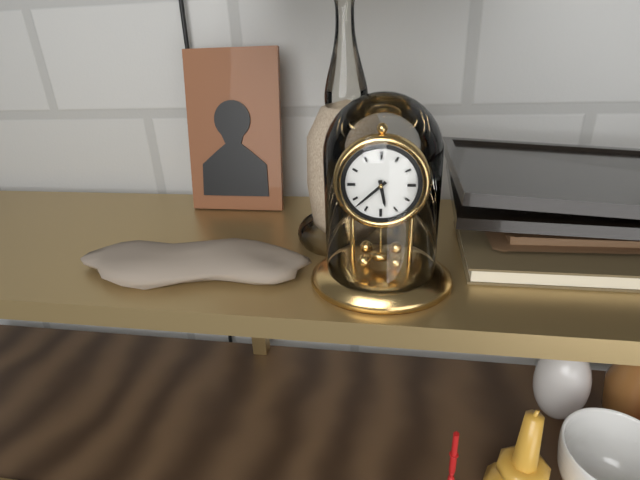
5:38
